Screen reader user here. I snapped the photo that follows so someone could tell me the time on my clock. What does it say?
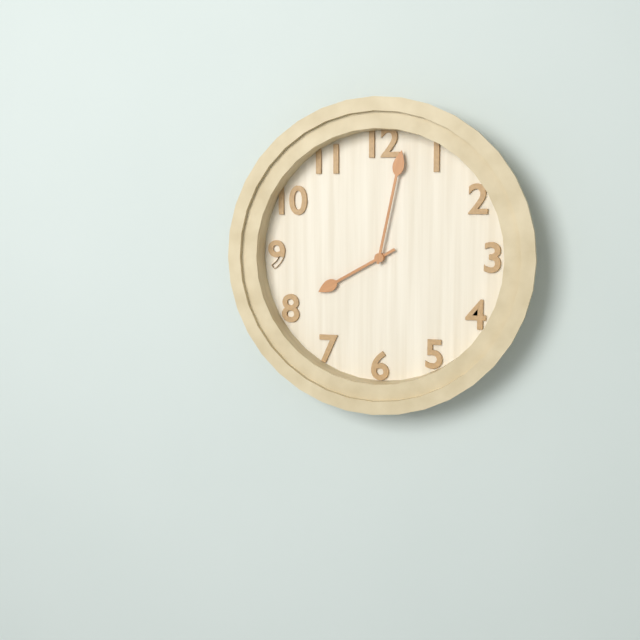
8:02
